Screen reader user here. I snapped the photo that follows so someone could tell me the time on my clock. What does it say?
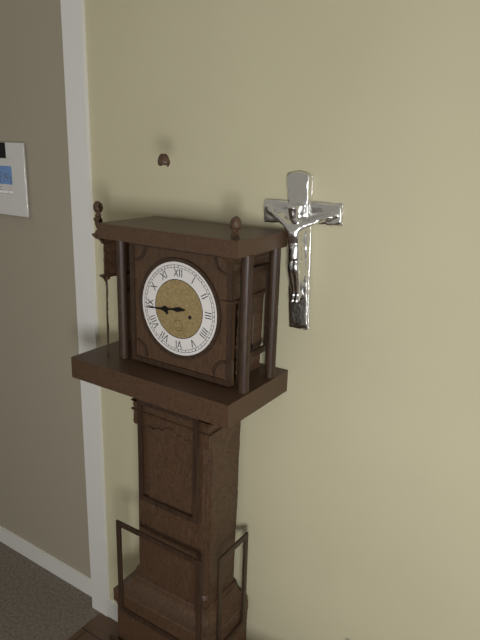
8:44
